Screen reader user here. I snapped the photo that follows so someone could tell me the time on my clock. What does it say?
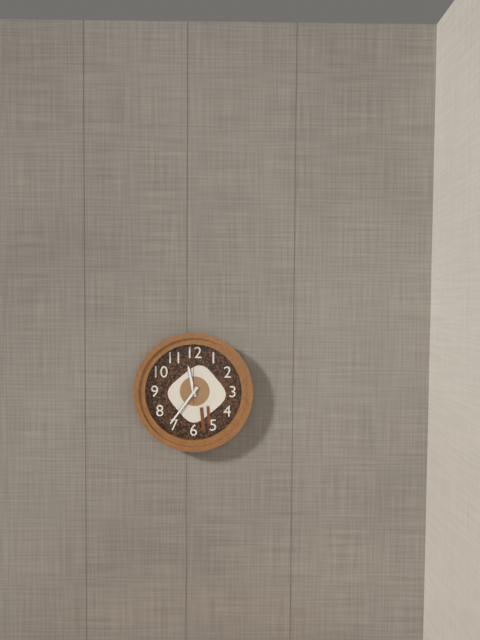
11:36:00
